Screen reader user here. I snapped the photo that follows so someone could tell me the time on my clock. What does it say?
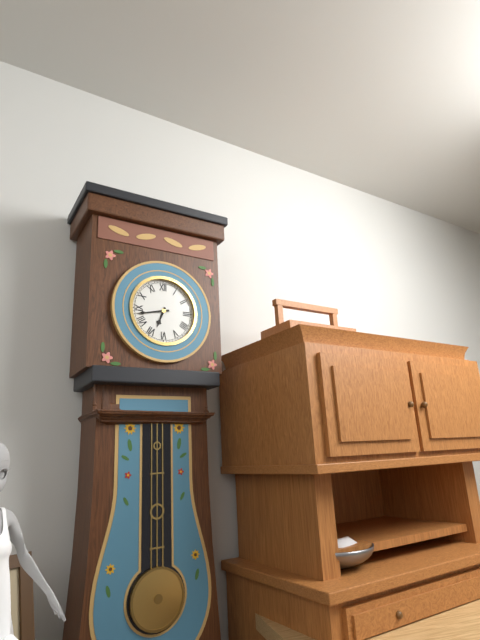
6:43
